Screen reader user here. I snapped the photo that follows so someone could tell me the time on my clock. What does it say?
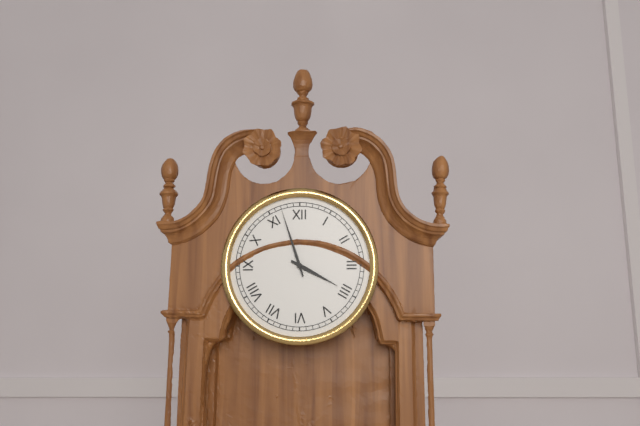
3:57
